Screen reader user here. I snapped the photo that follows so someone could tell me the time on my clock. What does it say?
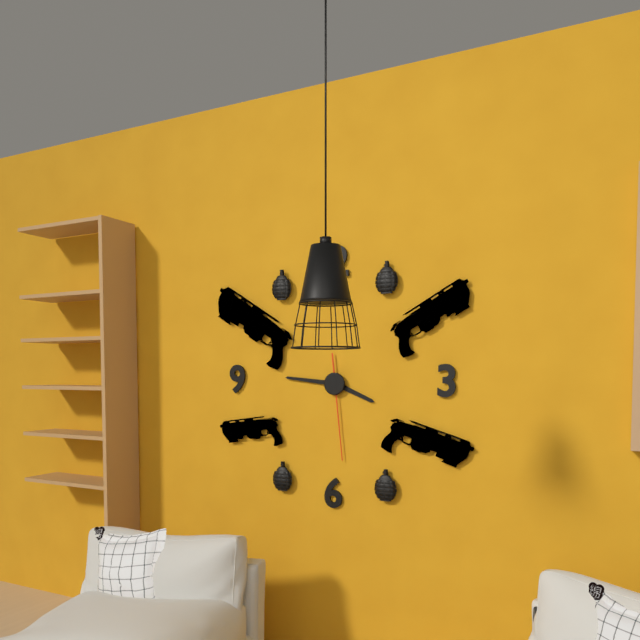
3:46:29
